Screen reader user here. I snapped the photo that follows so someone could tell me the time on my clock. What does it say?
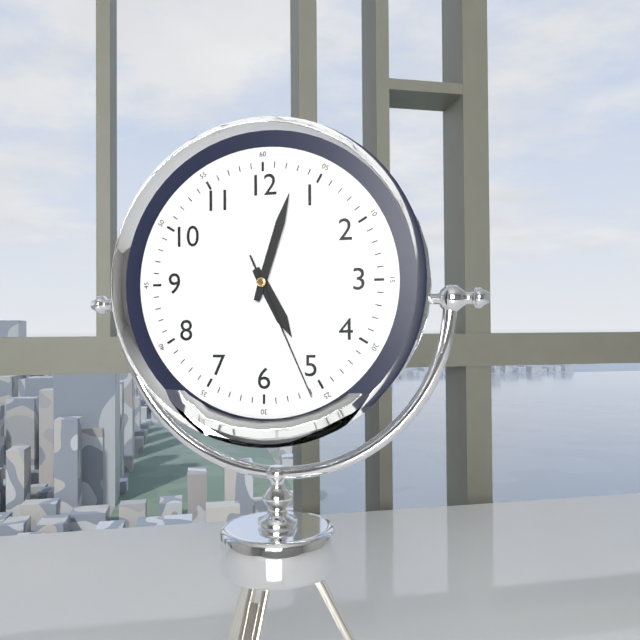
5:03:26
